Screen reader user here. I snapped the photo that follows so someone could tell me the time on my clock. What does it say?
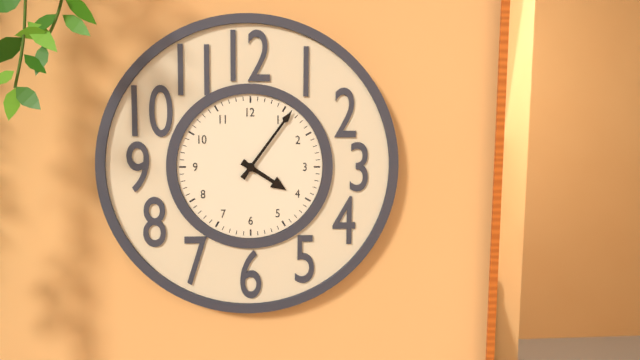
4:06
